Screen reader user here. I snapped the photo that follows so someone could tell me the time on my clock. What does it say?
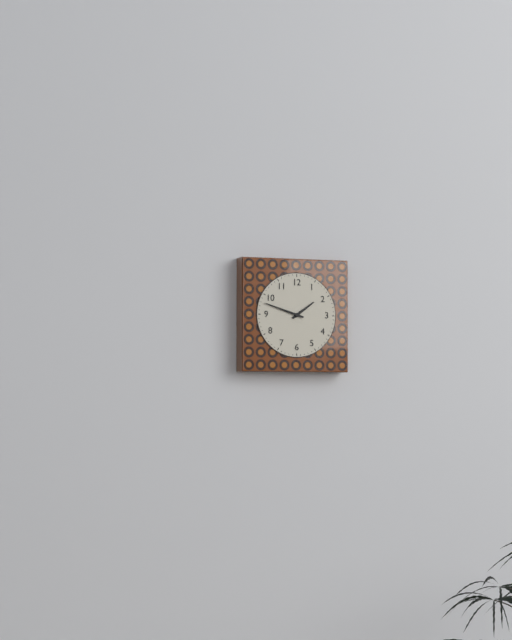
1:48
